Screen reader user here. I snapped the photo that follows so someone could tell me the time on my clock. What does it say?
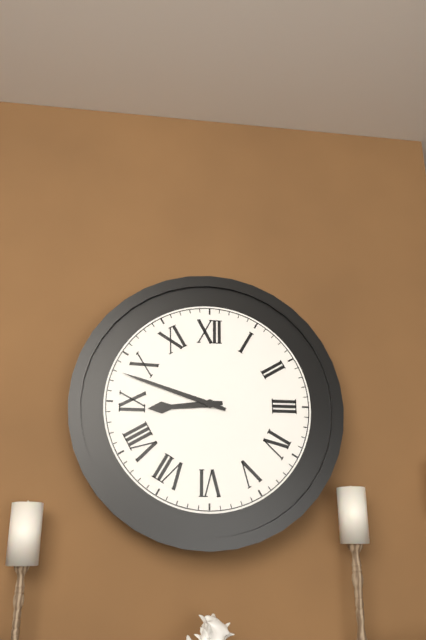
8:48
